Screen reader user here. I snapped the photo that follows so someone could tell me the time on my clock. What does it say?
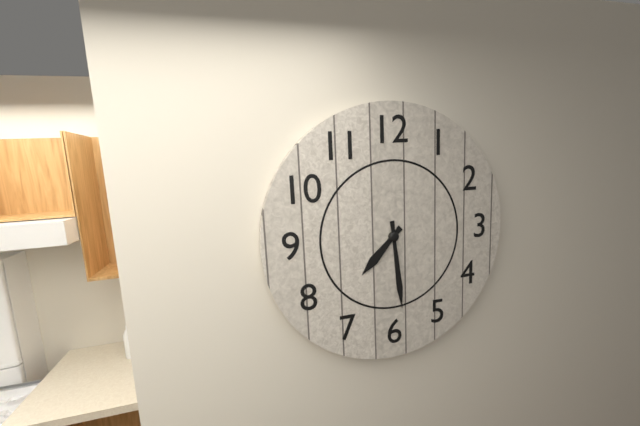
7:29
